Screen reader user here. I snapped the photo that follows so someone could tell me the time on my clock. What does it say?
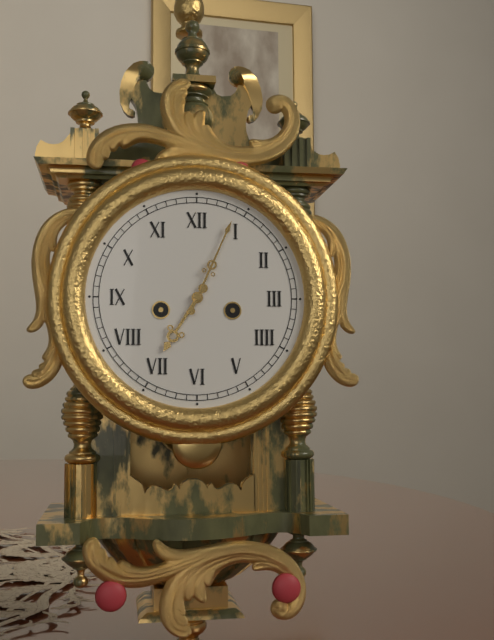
7:04
